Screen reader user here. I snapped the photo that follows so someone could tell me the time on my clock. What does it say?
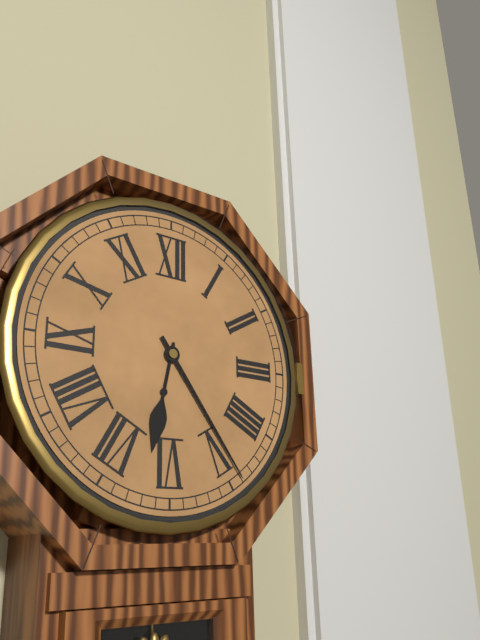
6:24
